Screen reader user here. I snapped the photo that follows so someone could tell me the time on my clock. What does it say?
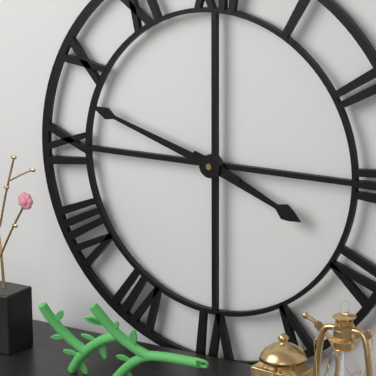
3:48
